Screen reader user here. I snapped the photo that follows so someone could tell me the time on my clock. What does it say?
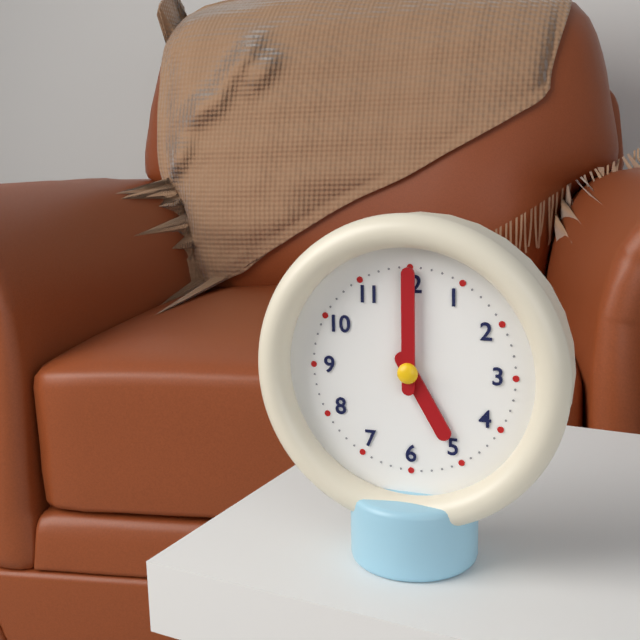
5:00
